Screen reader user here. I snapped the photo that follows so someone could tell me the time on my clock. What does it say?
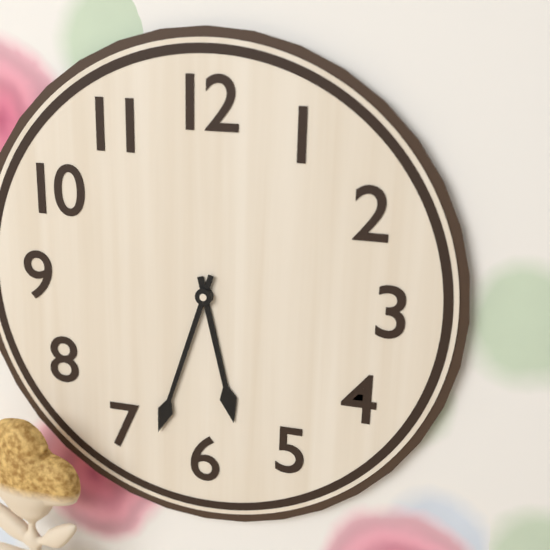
5:33
